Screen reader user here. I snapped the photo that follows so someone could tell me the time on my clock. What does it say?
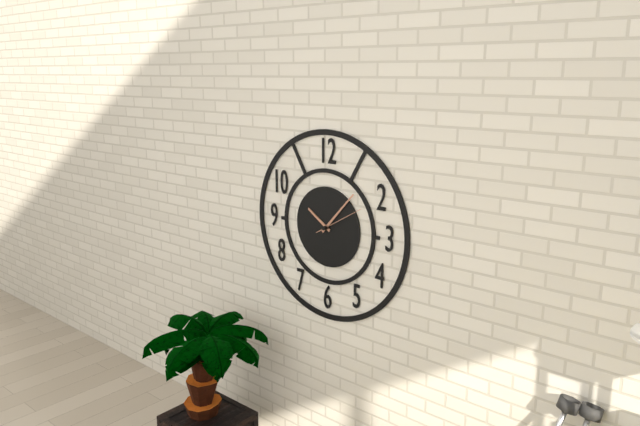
10:07
